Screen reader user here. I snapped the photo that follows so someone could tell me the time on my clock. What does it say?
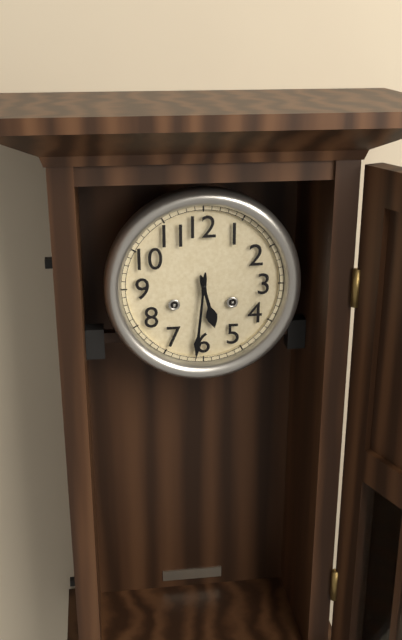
5:31
